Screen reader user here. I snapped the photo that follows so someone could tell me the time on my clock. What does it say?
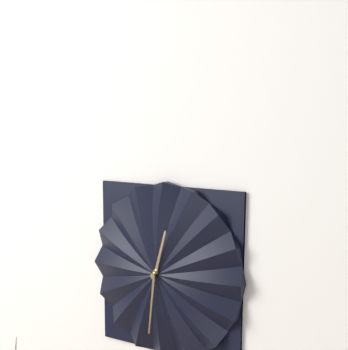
12:31
